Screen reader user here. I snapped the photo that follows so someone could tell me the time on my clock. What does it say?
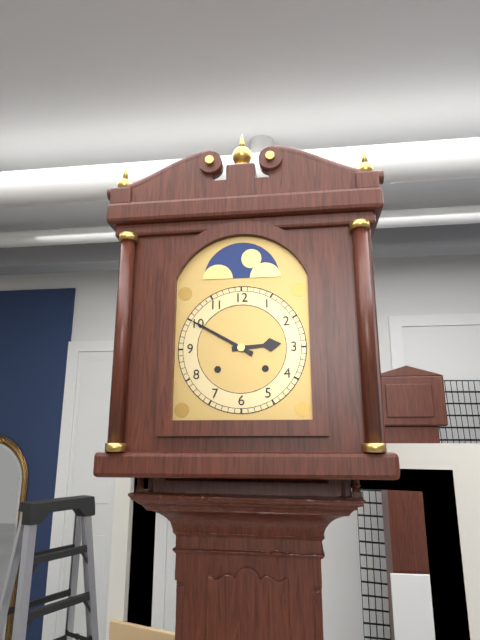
2:50
